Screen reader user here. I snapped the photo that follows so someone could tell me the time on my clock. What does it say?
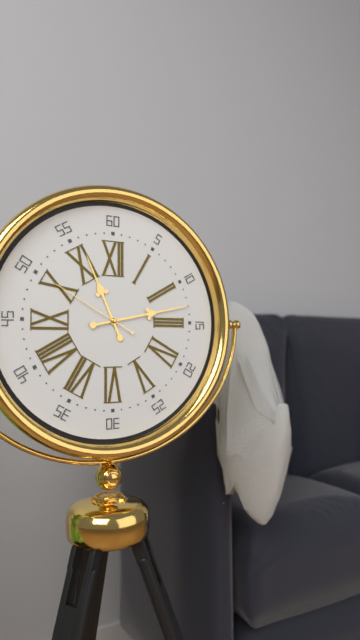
11:13:50
